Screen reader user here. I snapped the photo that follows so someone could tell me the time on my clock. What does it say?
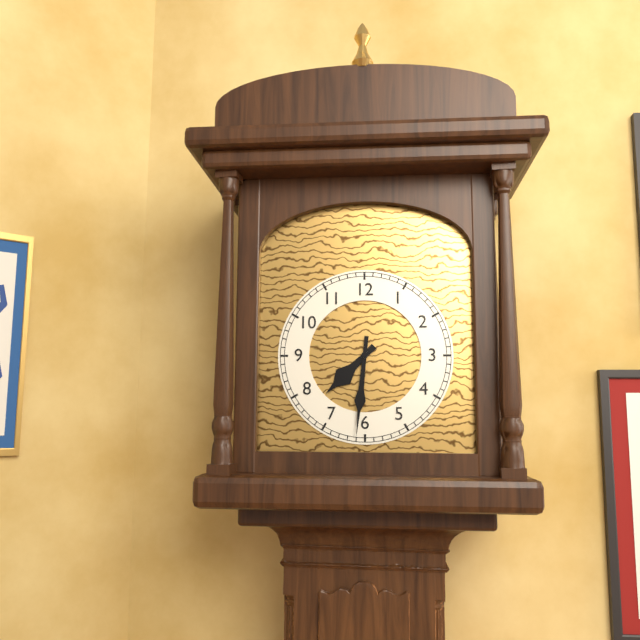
7:31
